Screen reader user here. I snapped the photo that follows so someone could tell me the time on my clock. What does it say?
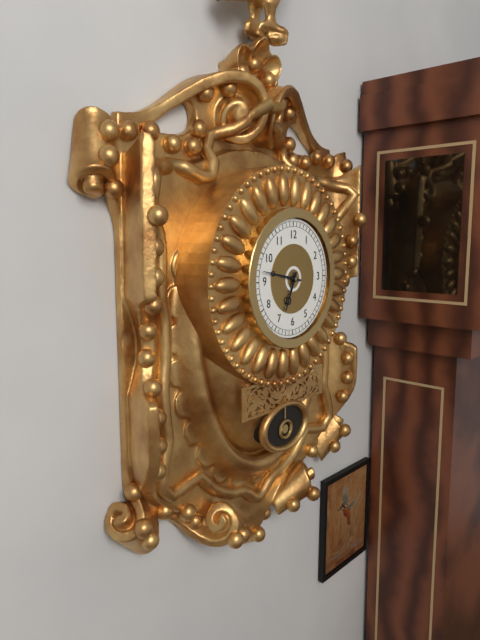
6:47
